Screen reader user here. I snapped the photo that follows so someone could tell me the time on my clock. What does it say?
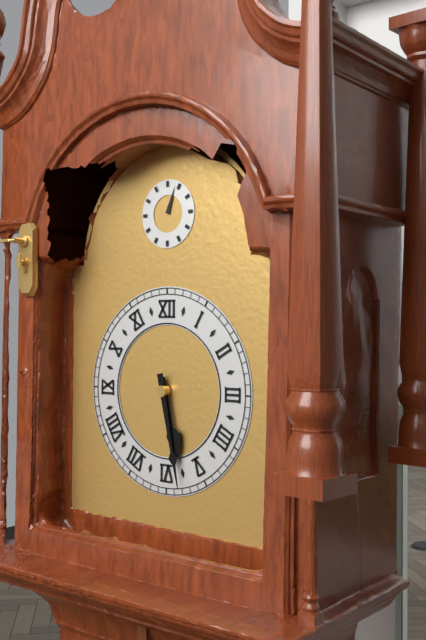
5:28
